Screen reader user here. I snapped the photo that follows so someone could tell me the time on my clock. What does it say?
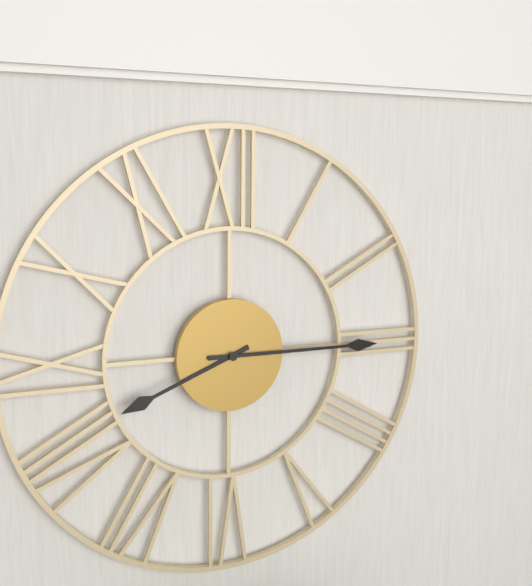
8:15
